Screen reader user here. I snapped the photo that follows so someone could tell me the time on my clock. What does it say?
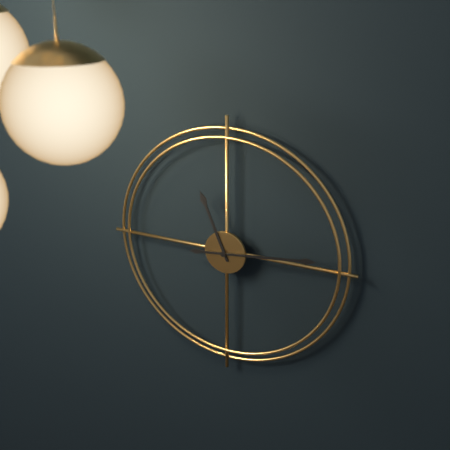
11:14
